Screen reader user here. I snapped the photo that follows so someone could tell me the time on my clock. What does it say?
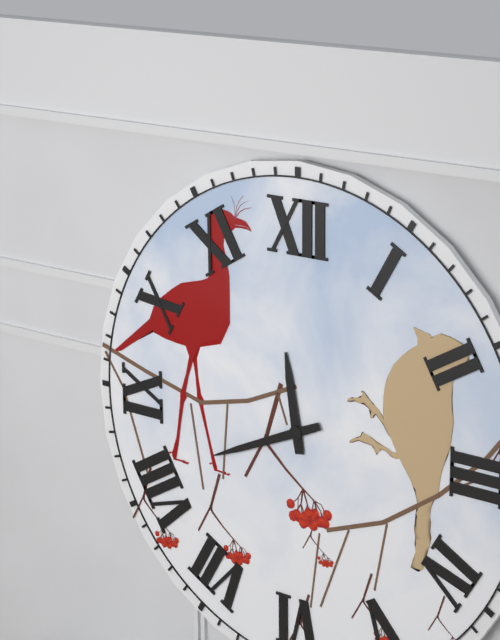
11:41
